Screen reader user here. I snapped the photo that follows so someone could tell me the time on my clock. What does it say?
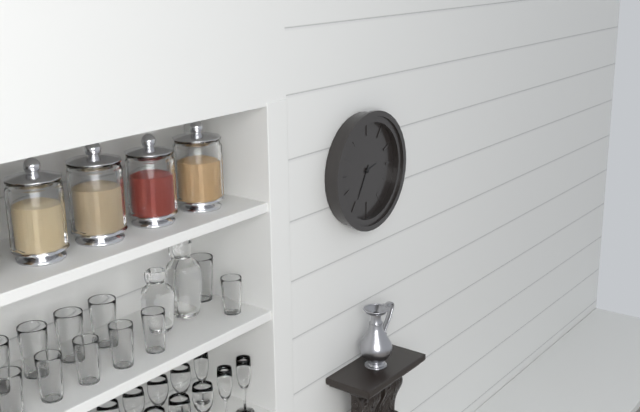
2:35
